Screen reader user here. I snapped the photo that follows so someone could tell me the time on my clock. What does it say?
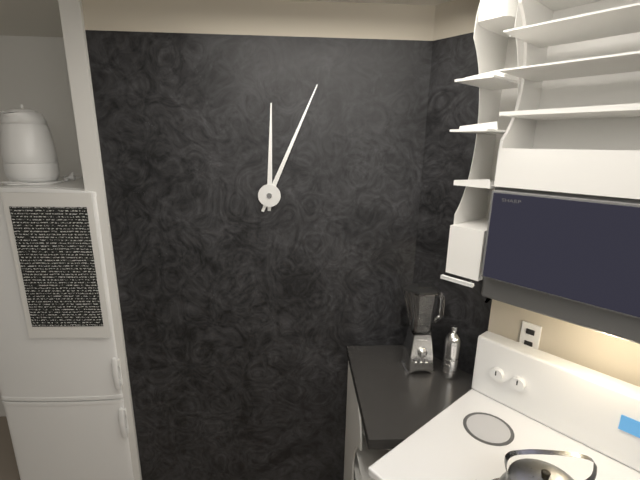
12:04
